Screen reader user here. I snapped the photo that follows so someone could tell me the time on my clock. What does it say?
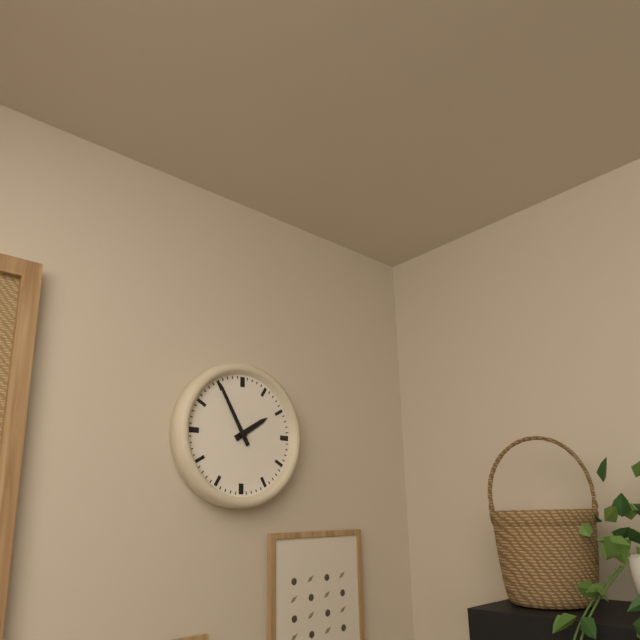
1:55
